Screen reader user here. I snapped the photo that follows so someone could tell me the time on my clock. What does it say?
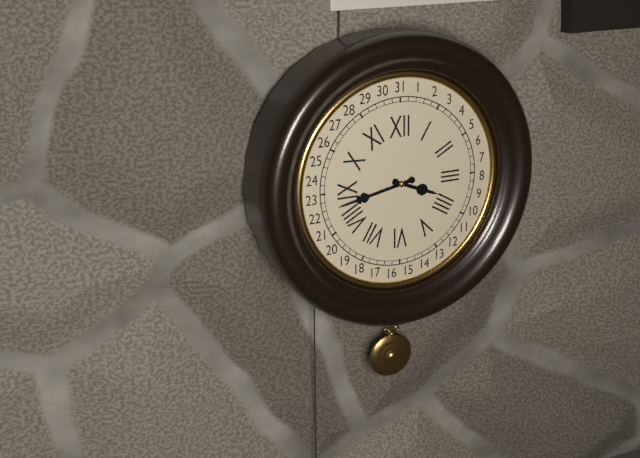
3:43
